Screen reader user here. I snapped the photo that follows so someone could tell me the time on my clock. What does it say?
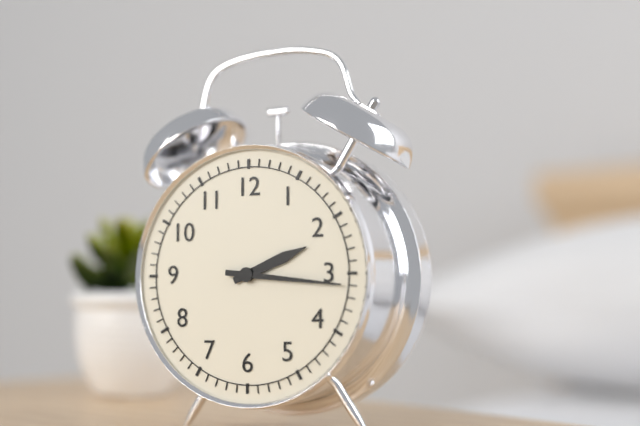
2:16
